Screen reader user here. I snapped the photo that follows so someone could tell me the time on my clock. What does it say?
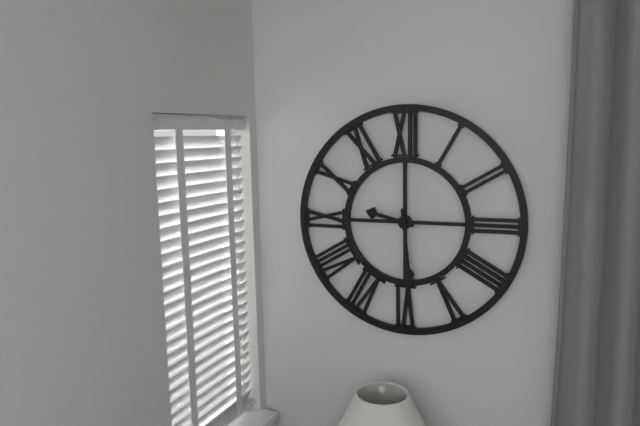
9:29
